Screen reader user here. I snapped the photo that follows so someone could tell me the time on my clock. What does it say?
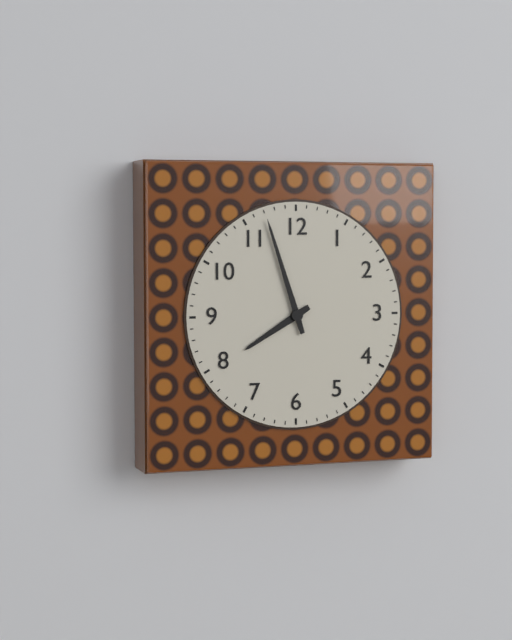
7:57
